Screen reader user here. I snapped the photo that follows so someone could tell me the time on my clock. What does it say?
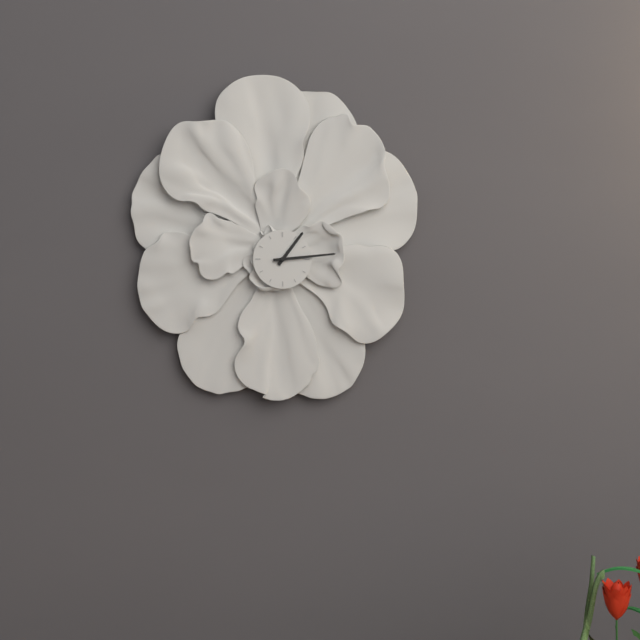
1:14
